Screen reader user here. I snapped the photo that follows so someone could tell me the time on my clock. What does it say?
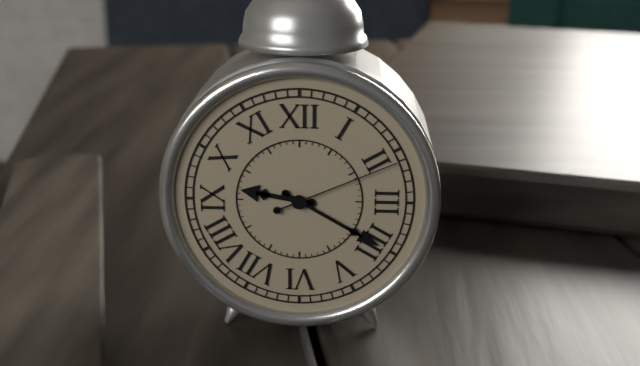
9:20:11
